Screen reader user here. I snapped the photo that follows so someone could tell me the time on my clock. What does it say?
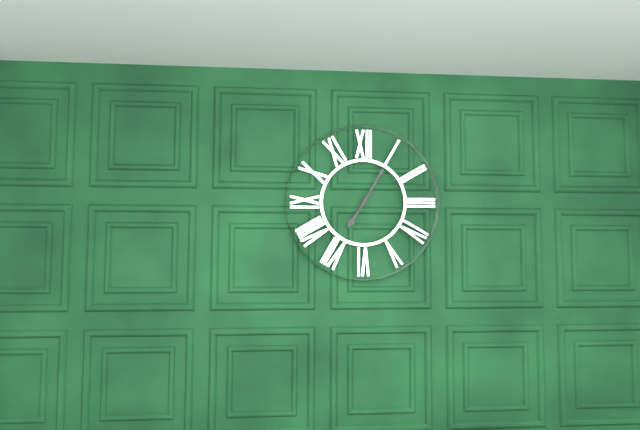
7:05
